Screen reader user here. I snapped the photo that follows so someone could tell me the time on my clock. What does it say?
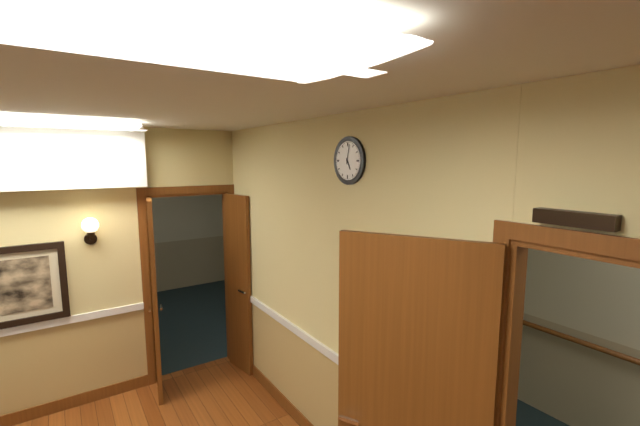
5:02
